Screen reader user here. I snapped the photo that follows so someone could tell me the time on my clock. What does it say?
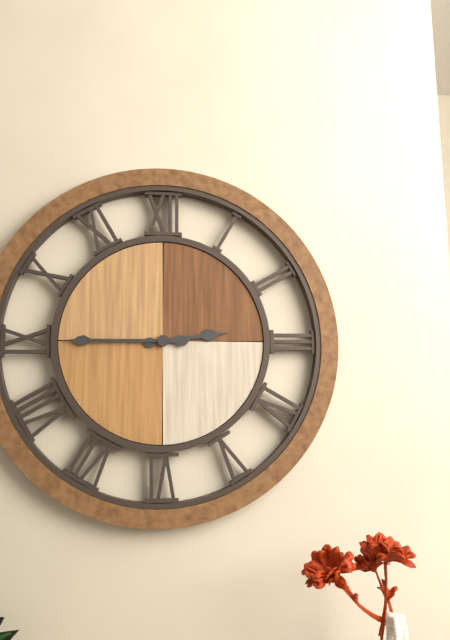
2:45
